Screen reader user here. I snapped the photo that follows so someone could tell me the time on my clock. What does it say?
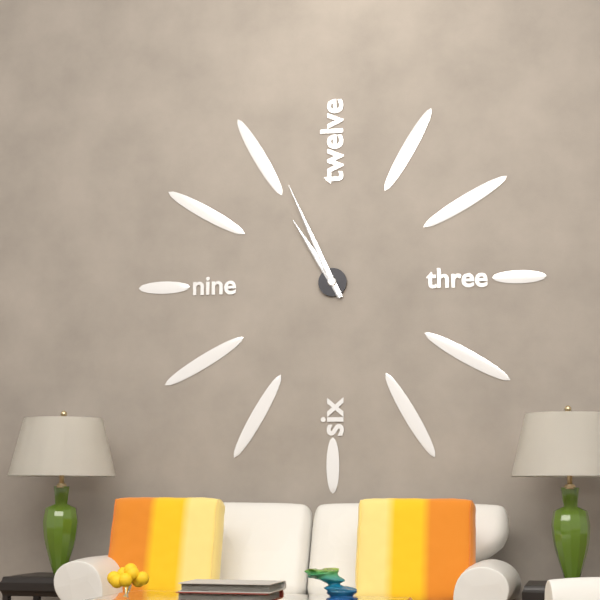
10:56
